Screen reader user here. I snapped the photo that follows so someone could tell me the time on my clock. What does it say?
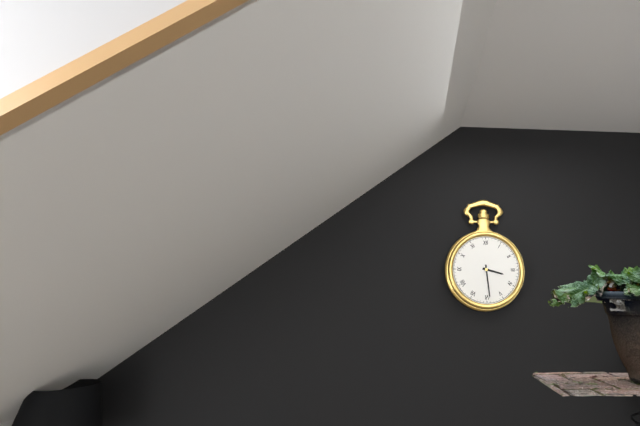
3:29
